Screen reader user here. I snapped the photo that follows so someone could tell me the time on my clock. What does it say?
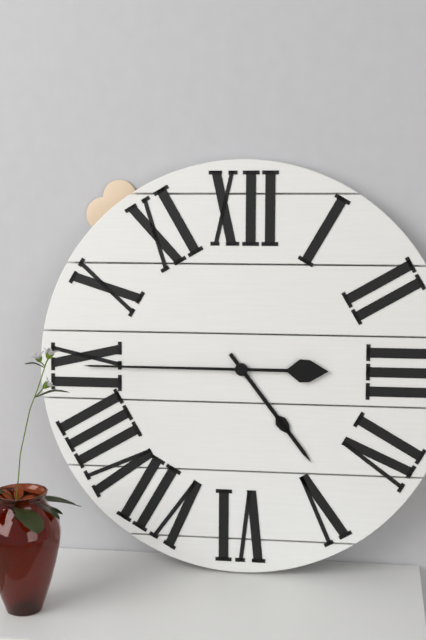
4:45
